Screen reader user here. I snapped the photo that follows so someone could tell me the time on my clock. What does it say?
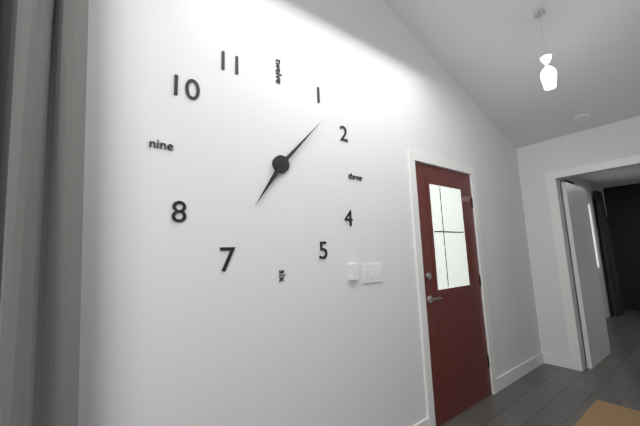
7:07
